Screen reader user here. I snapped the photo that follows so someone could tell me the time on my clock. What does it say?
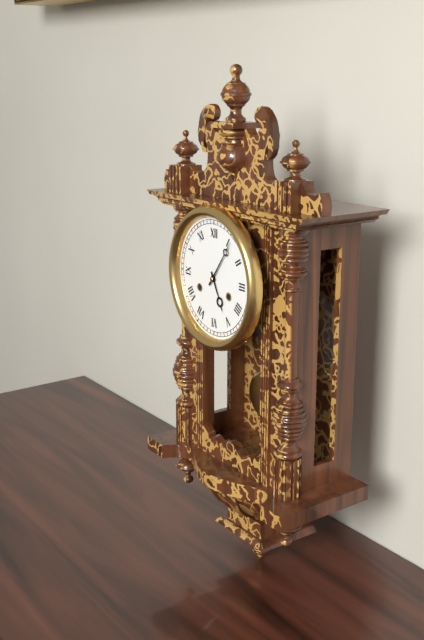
5:06
